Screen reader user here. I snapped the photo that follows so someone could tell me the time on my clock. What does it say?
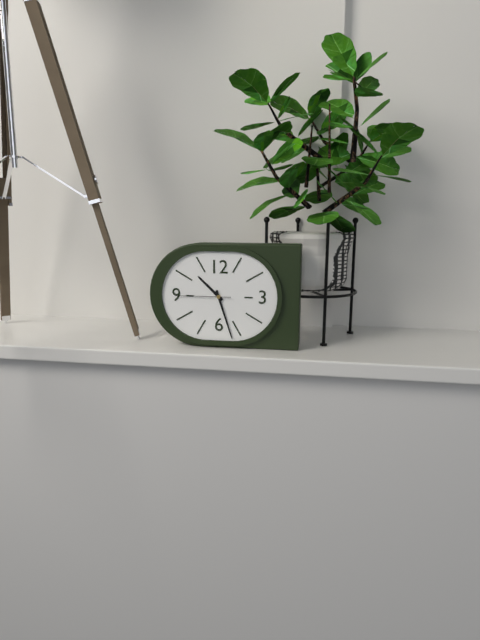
10:27:45
